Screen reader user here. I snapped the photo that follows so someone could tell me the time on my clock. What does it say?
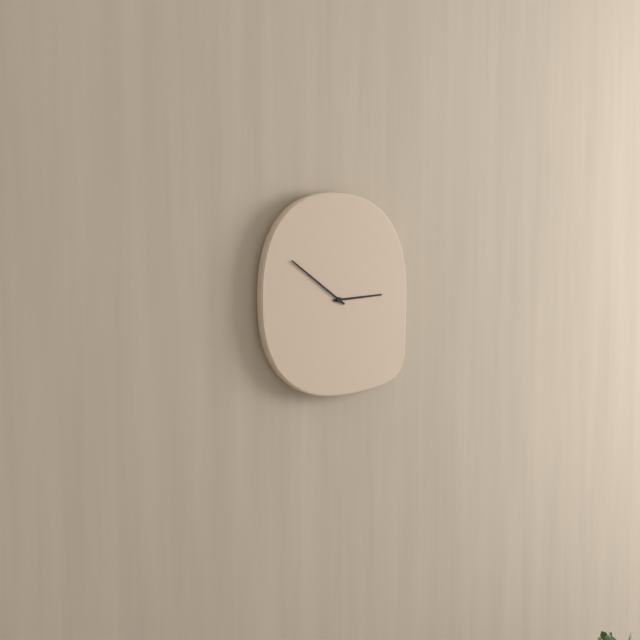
2:51
